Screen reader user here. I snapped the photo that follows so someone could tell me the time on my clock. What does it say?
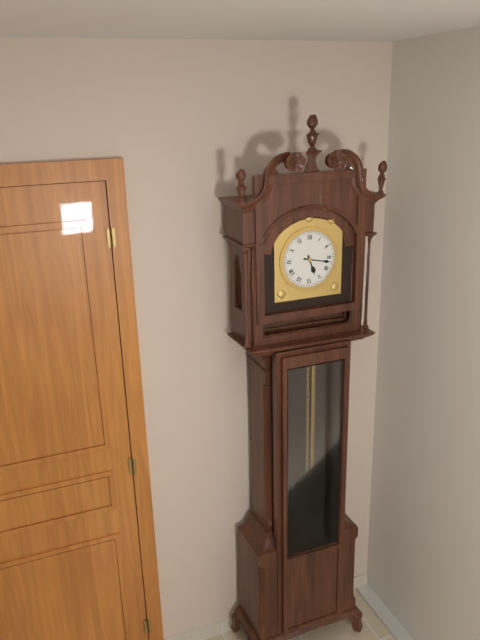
5:17
